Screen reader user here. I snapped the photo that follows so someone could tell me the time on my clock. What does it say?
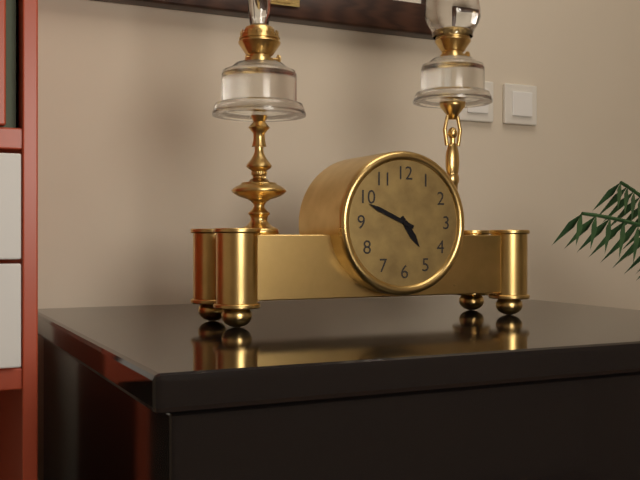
4:49
